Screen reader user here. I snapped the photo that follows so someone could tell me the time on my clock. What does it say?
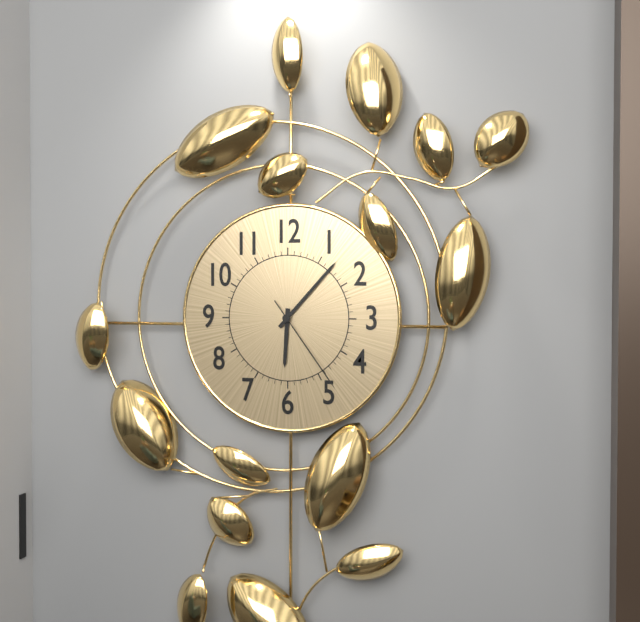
6:07:24
